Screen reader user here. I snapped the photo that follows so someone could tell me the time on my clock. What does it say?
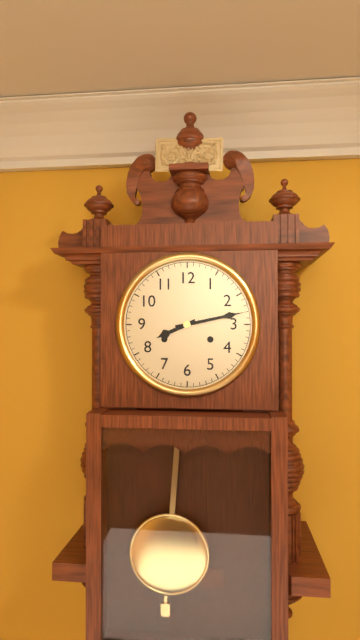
8:13
